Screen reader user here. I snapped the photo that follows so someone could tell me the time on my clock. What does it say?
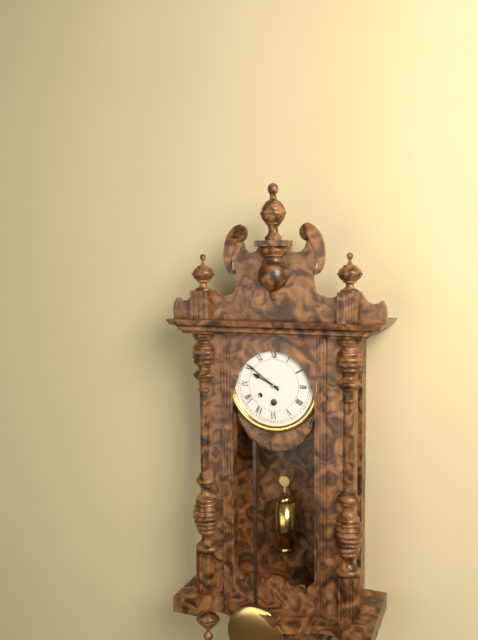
9:51
